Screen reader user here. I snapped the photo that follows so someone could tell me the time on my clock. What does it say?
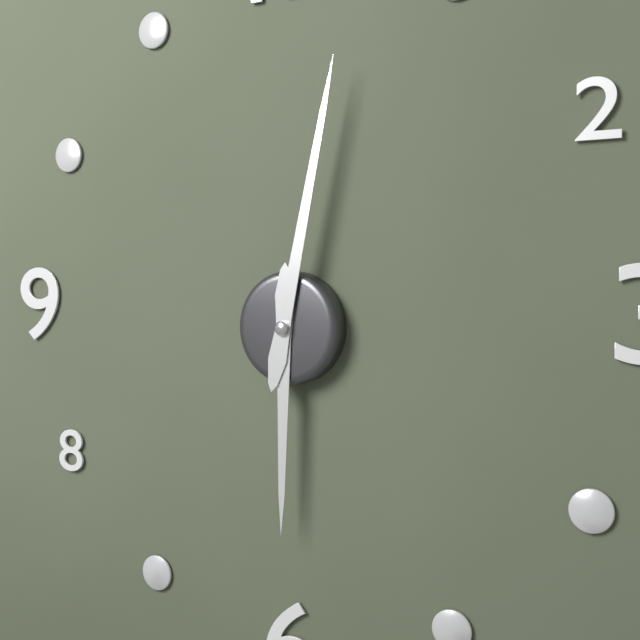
6:02
